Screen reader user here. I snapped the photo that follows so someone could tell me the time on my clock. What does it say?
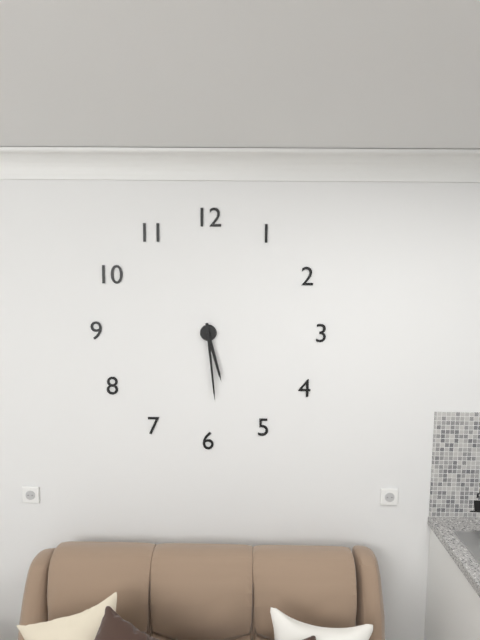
5:29
